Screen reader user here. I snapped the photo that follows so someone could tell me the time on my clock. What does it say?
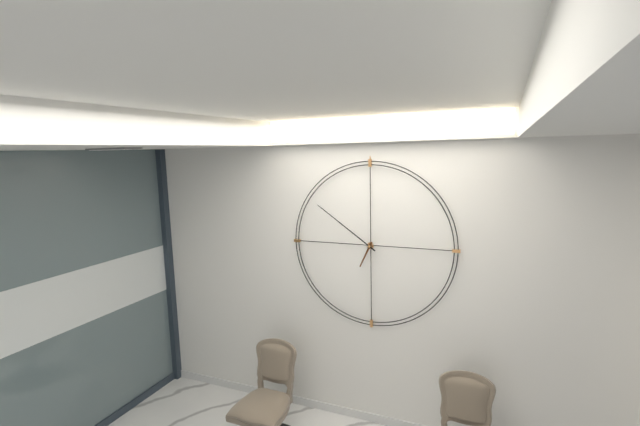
6:51
